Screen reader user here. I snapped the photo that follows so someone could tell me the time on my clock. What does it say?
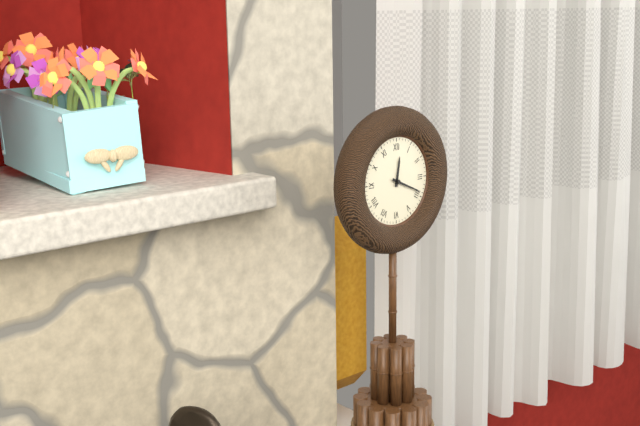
12:19
